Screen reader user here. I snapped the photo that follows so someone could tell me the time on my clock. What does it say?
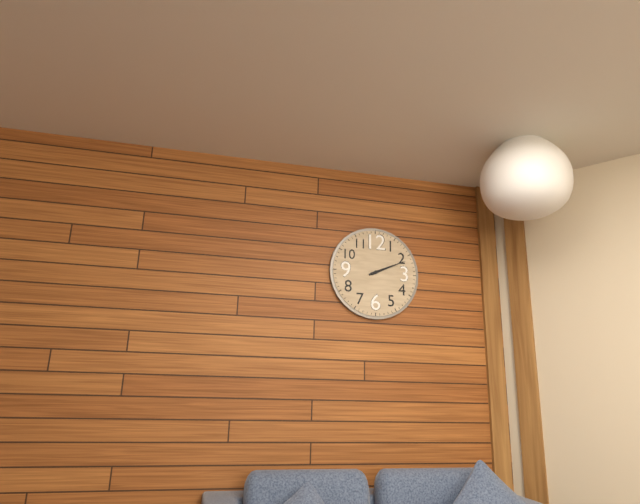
2:11
